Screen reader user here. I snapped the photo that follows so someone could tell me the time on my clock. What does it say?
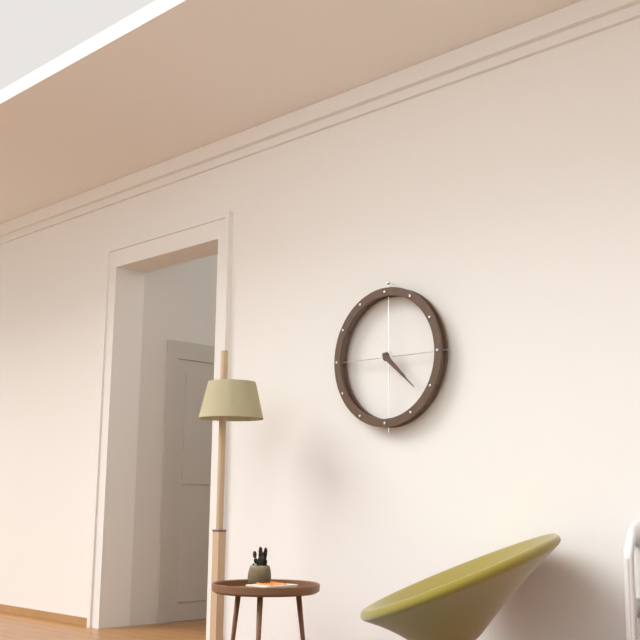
4:22
